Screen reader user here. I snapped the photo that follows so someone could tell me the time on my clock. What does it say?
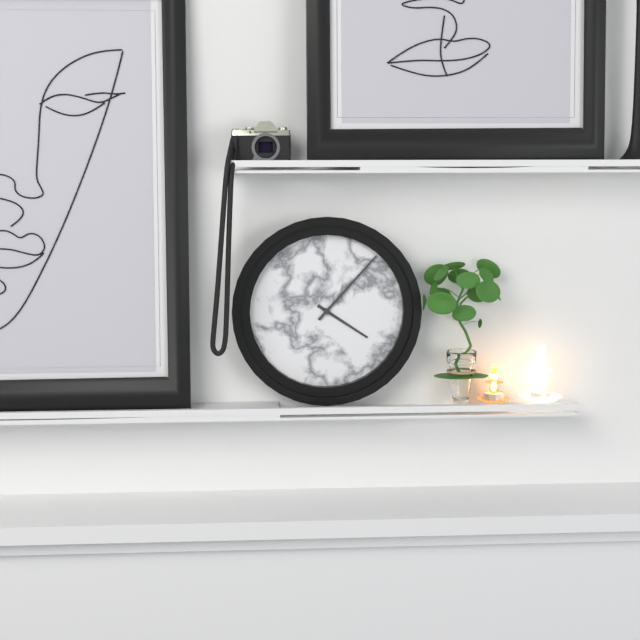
4:07
